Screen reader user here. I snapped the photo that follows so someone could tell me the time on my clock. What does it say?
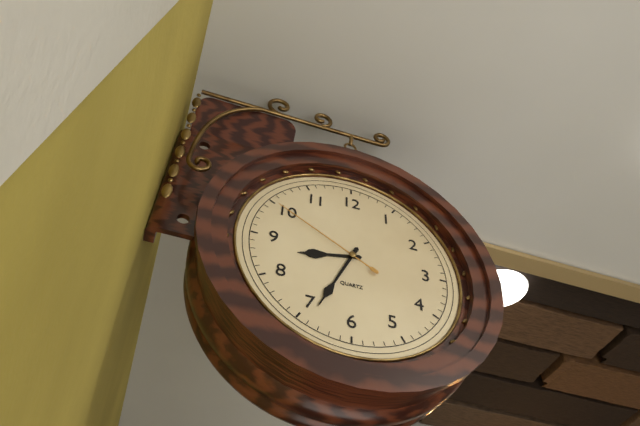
8:34:50
